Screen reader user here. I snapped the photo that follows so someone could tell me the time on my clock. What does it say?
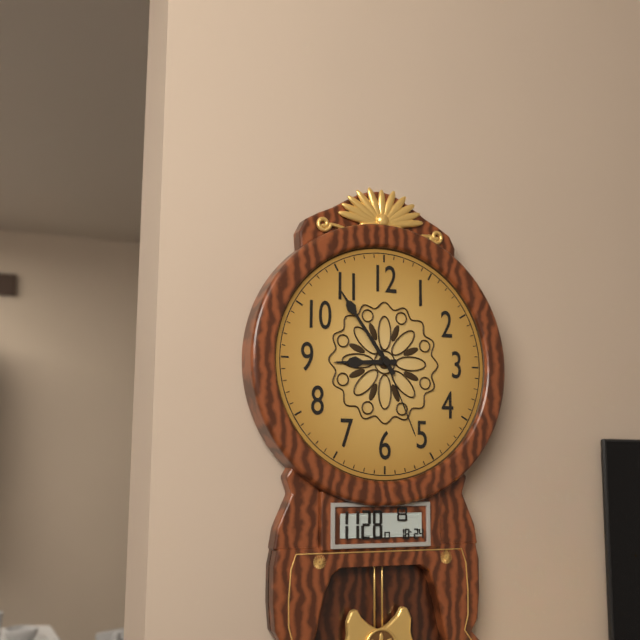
8:54:26
